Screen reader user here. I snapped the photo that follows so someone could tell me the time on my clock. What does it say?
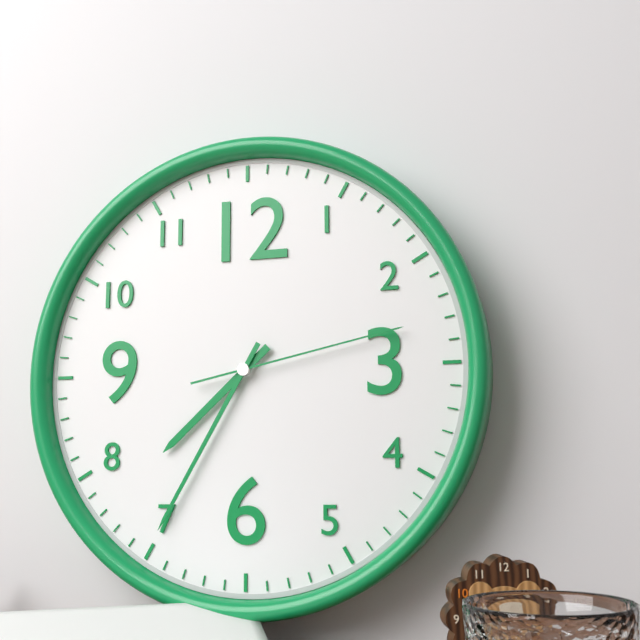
7:35:13
